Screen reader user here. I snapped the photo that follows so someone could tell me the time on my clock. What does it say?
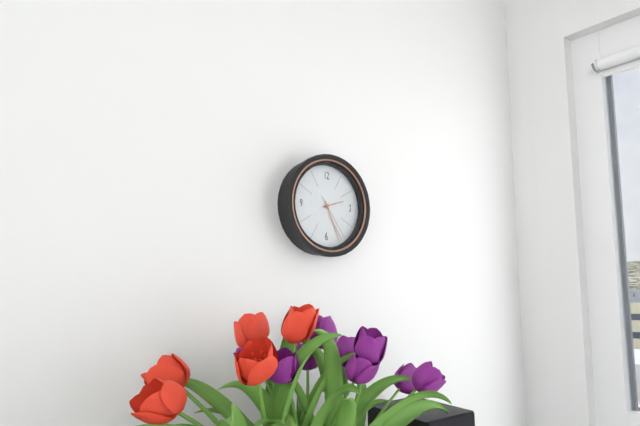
2:26
